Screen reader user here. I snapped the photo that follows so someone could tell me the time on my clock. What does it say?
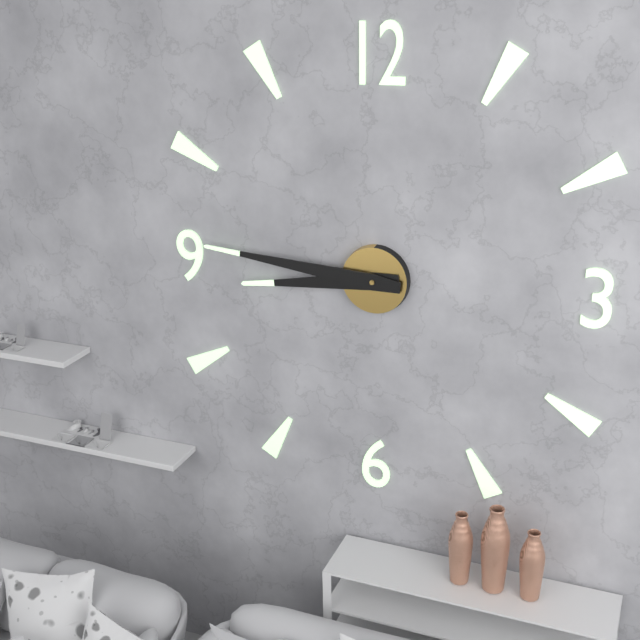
8:46
